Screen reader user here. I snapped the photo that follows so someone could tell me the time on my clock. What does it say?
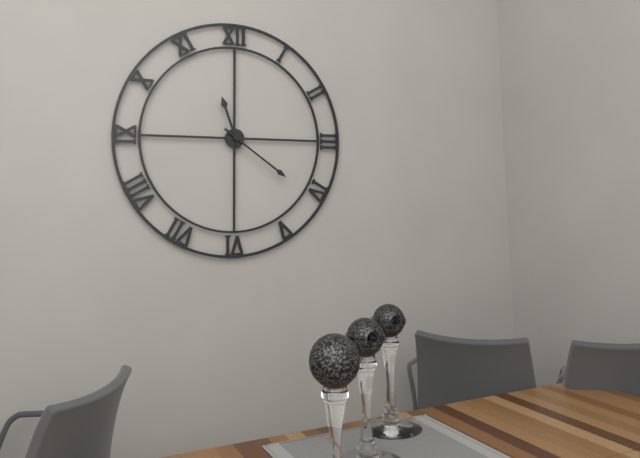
11:21
